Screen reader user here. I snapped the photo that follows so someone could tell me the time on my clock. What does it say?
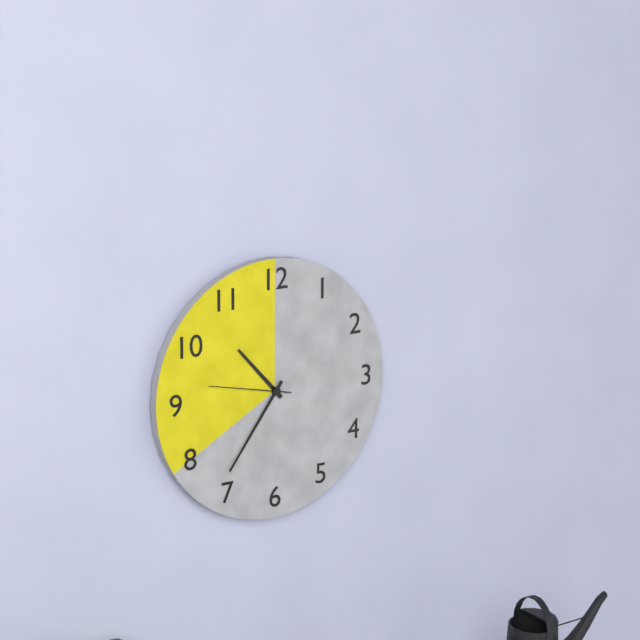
10:36:47
